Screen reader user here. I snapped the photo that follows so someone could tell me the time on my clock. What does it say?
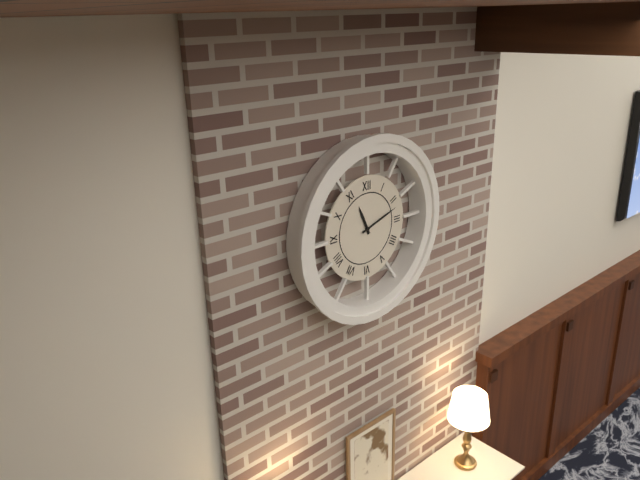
11:12
